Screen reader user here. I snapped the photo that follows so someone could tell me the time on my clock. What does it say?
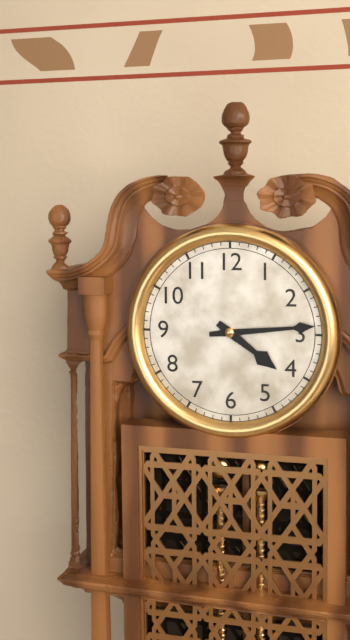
4:14
